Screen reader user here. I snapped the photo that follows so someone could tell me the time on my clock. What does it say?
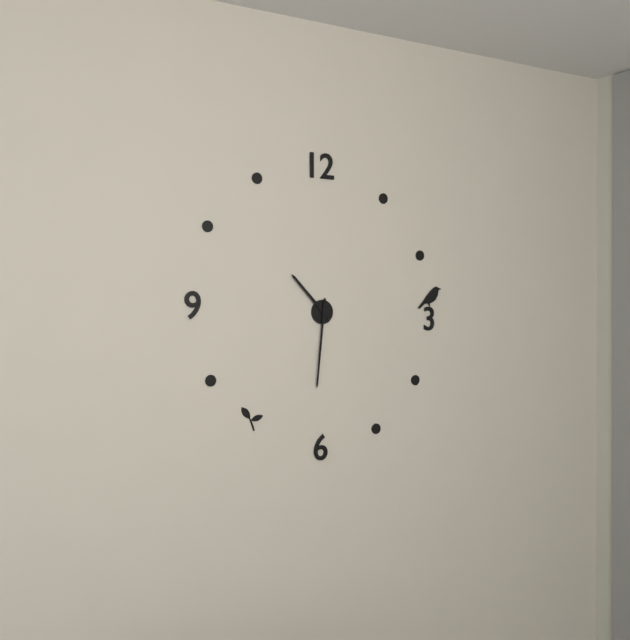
10:31
